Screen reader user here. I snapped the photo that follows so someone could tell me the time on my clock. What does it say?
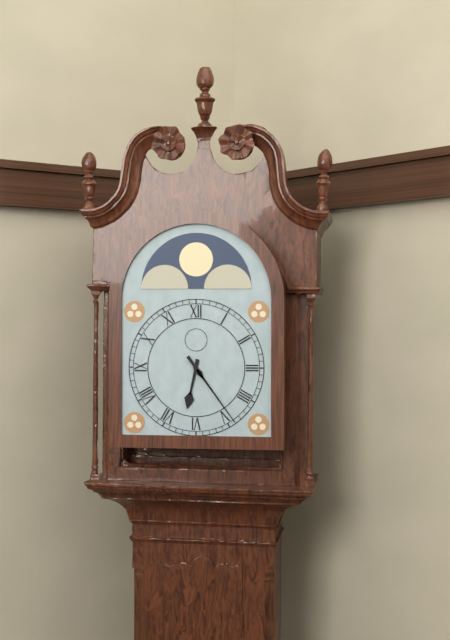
6:24
